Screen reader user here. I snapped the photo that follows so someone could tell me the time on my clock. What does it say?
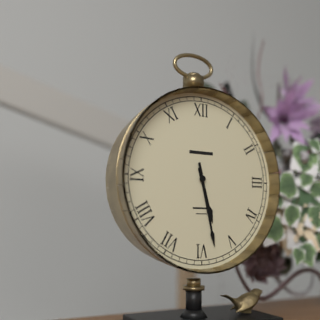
5:28
